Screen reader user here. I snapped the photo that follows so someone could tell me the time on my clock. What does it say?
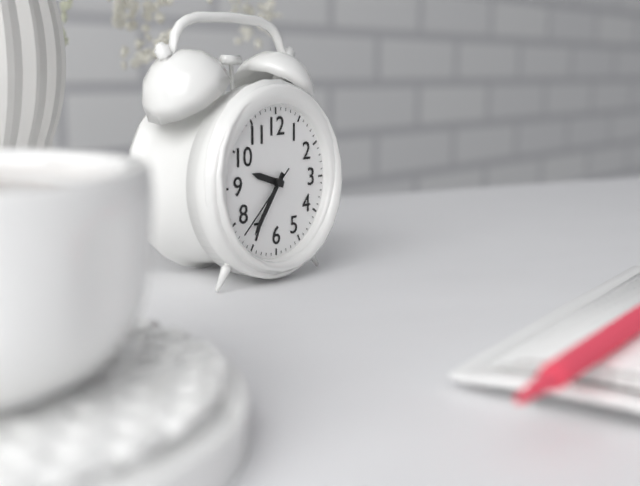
9:36:38
